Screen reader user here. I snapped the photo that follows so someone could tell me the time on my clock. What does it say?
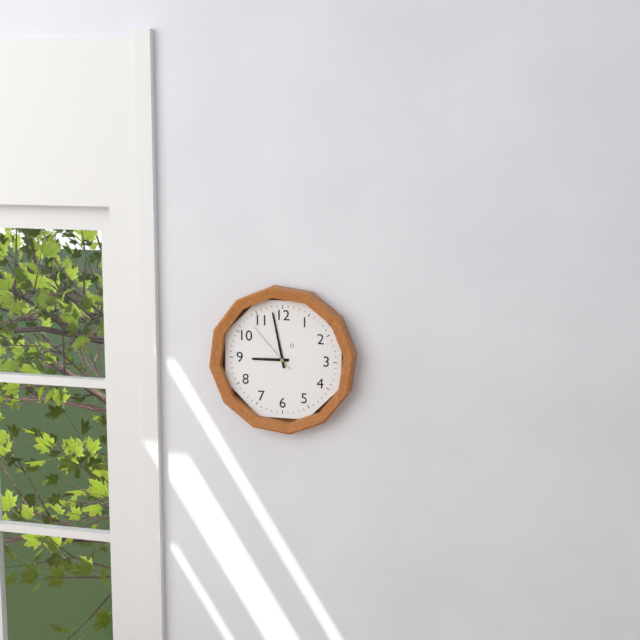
8:58:53
